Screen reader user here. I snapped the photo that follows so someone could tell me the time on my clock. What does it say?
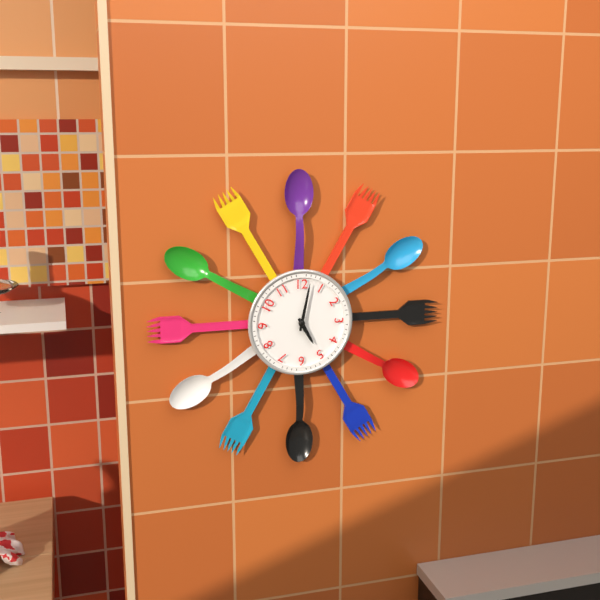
5:02
